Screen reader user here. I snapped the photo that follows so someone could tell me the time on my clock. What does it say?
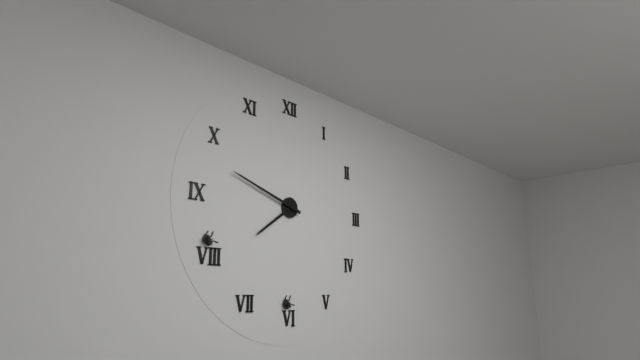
7:48
